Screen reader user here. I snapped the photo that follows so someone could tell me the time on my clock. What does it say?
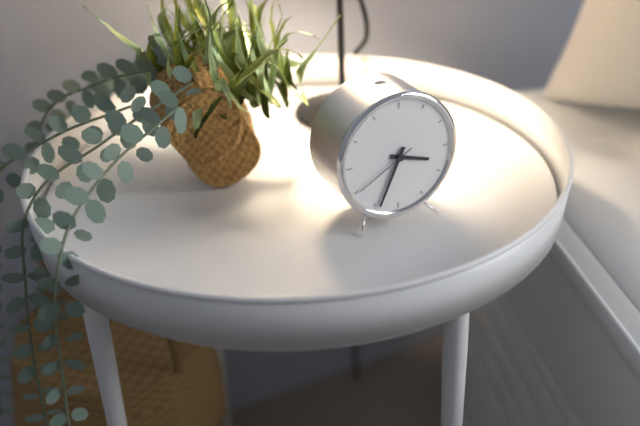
3:34:40
